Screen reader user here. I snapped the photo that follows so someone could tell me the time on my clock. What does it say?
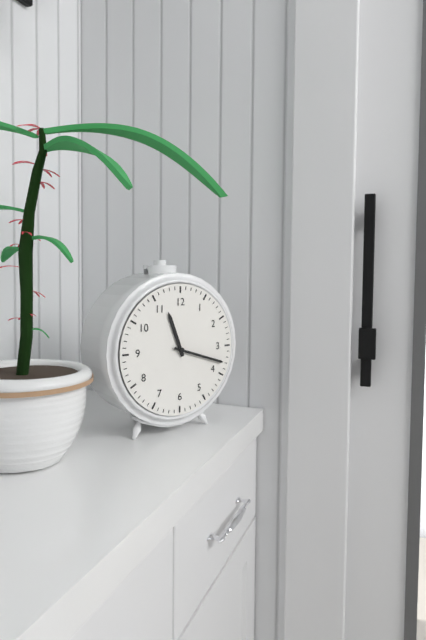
11:18
